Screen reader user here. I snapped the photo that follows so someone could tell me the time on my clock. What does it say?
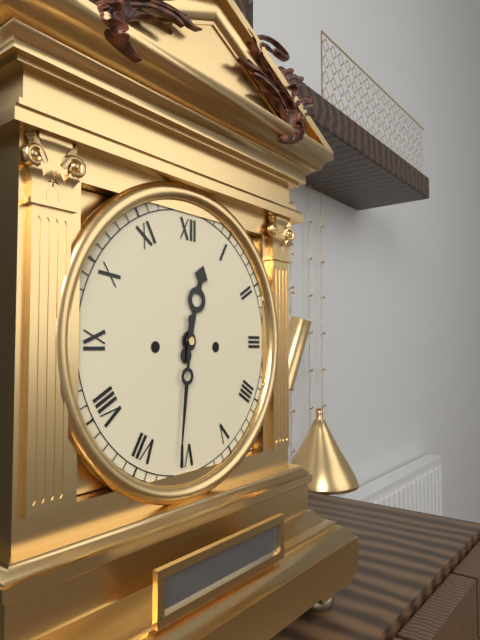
12:31
